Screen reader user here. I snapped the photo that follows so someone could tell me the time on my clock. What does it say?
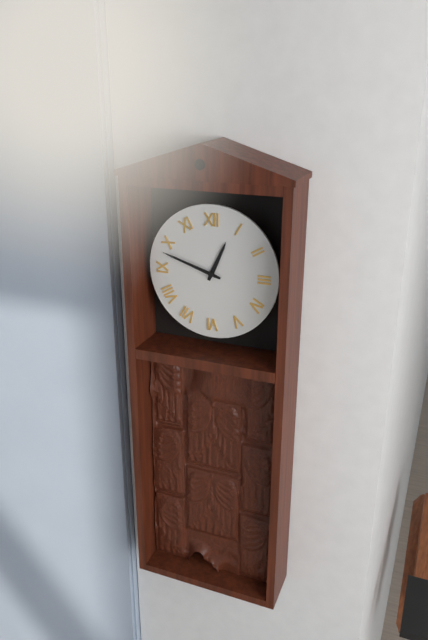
12:48
